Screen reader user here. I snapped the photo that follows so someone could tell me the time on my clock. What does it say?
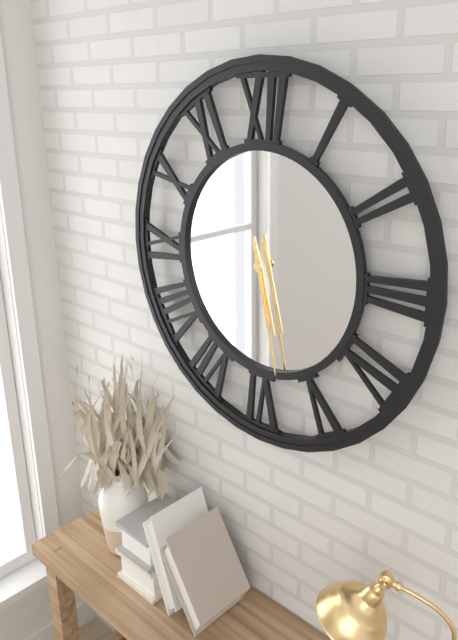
5:28
